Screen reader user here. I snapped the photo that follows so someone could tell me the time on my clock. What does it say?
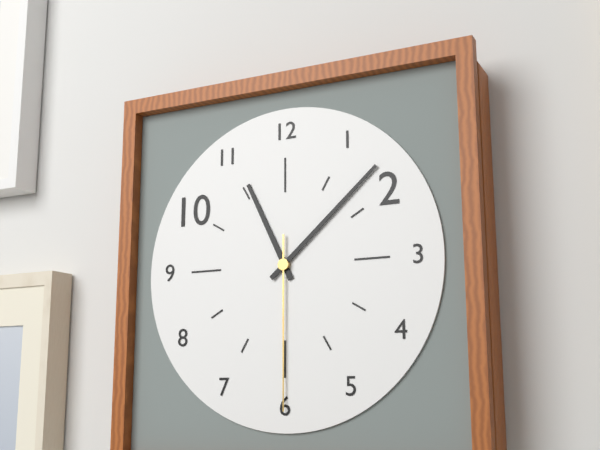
11:08:30
